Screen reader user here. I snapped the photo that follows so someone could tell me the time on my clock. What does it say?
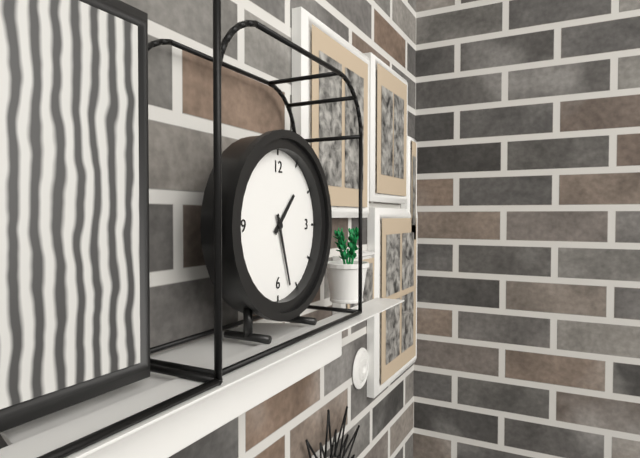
1:27
